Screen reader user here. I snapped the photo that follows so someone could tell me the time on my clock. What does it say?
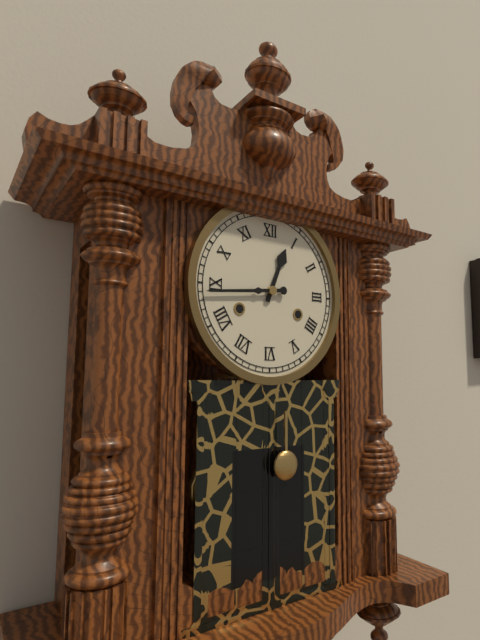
12:44
